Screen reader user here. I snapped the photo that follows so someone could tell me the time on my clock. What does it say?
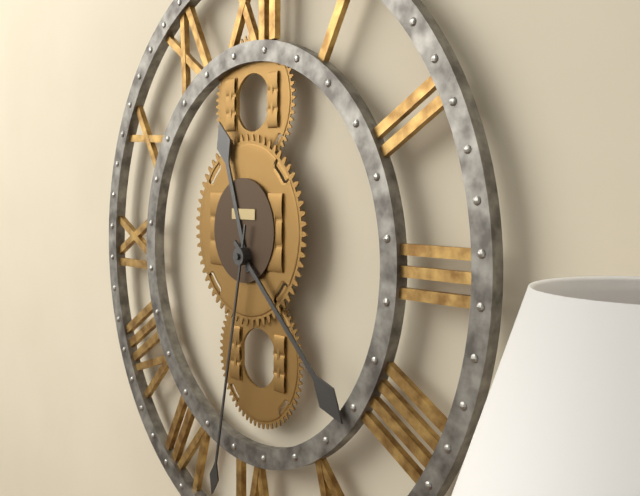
11:22:32
